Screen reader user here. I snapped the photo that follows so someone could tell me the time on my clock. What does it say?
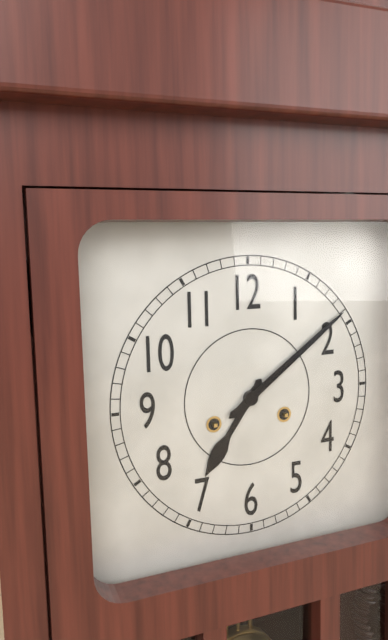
7:09
